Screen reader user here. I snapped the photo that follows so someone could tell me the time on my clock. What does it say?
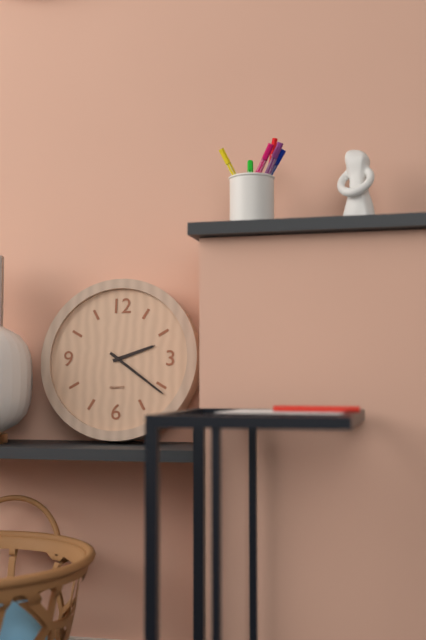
2:21
